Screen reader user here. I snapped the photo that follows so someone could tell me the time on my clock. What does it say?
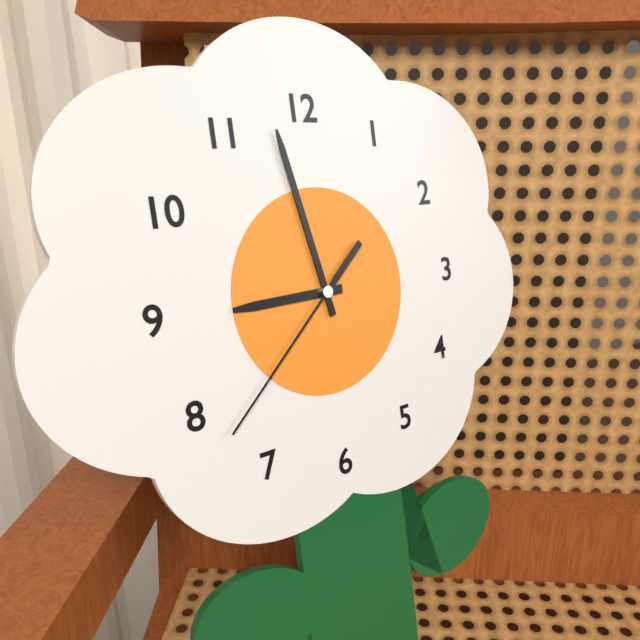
8:58:38
